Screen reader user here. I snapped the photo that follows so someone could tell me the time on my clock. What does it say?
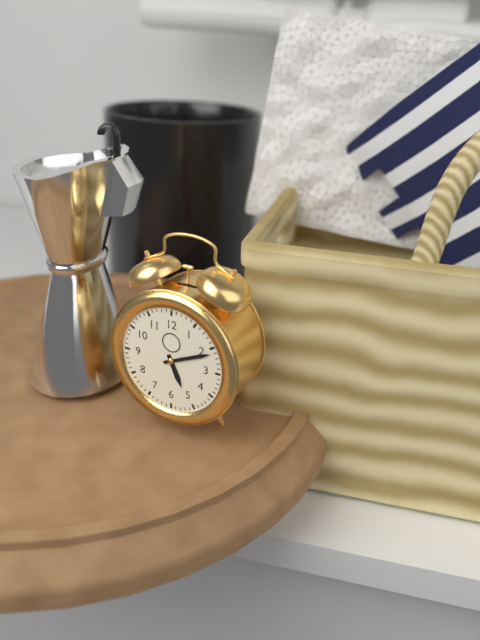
5:11
